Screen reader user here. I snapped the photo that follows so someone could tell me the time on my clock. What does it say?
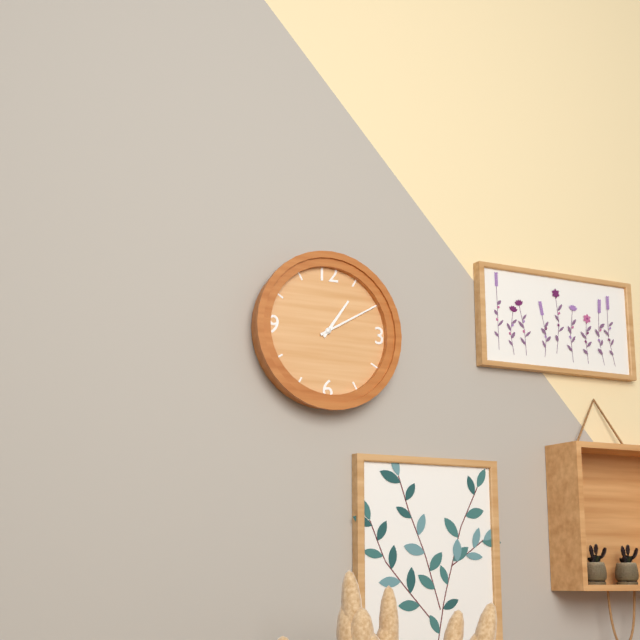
1:10
